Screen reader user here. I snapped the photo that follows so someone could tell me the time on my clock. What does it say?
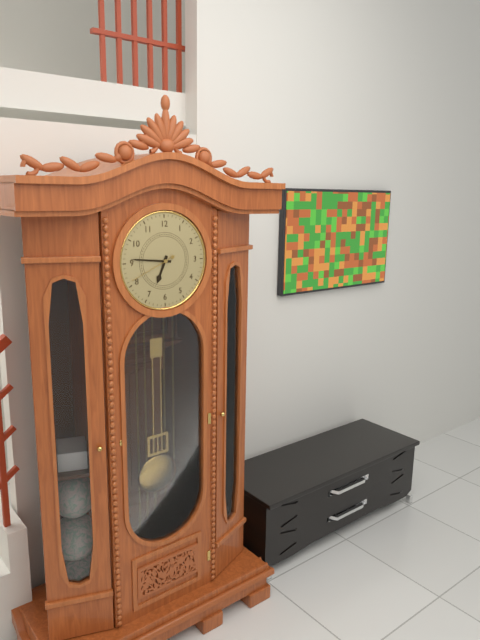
6:46
